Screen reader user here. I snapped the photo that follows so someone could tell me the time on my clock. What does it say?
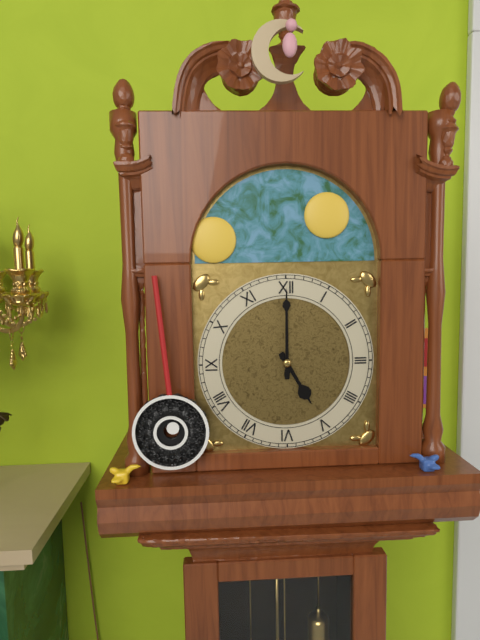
5:00
